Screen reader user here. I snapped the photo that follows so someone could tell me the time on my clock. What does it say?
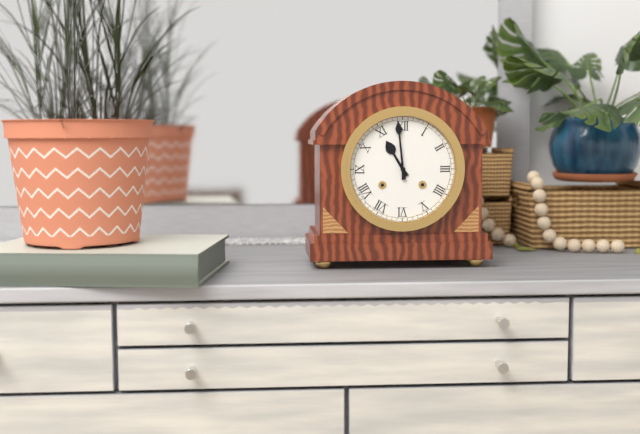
10:59
